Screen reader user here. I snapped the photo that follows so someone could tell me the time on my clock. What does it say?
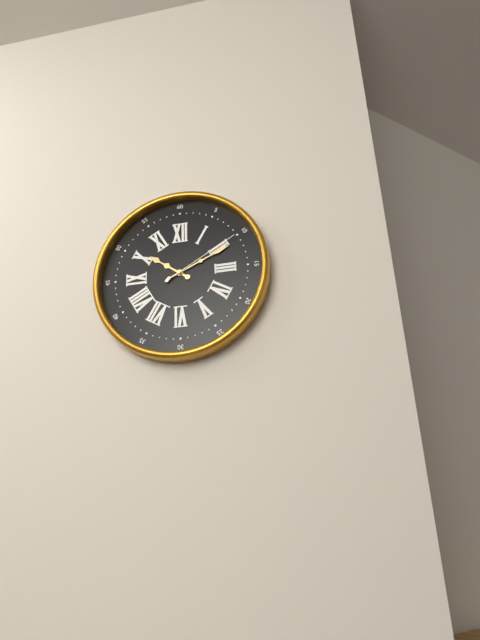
10:11:10
